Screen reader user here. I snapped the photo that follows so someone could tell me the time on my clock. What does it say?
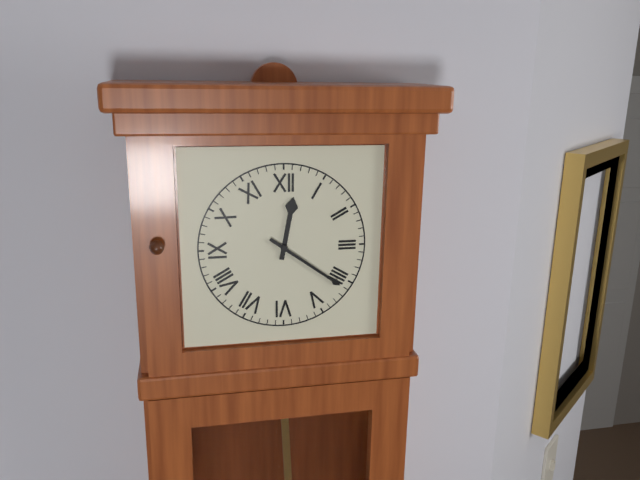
12:21
